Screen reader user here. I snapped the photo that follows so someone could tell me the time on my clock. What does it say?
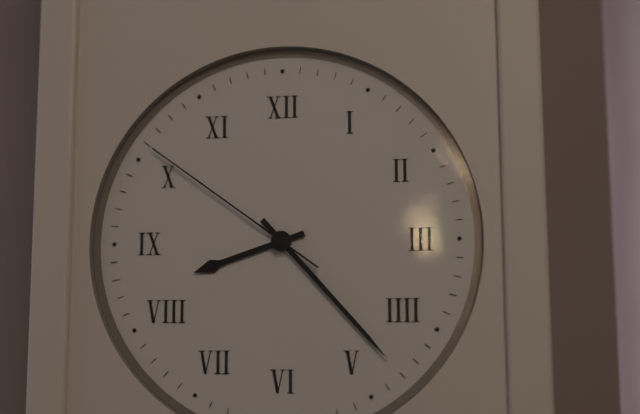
8:23:51
